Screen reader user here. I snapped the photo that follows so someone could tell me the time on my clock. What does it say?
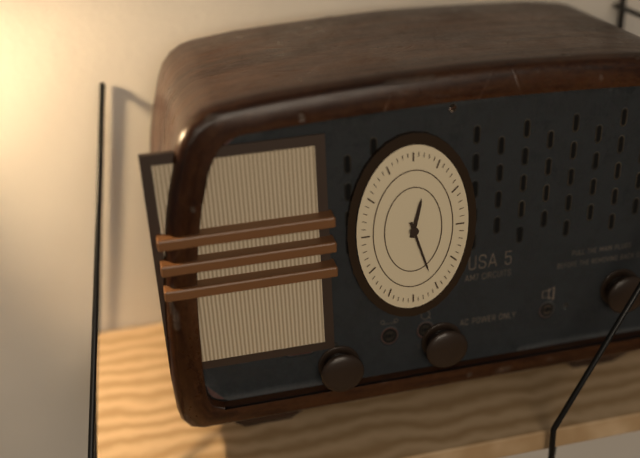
12:27
